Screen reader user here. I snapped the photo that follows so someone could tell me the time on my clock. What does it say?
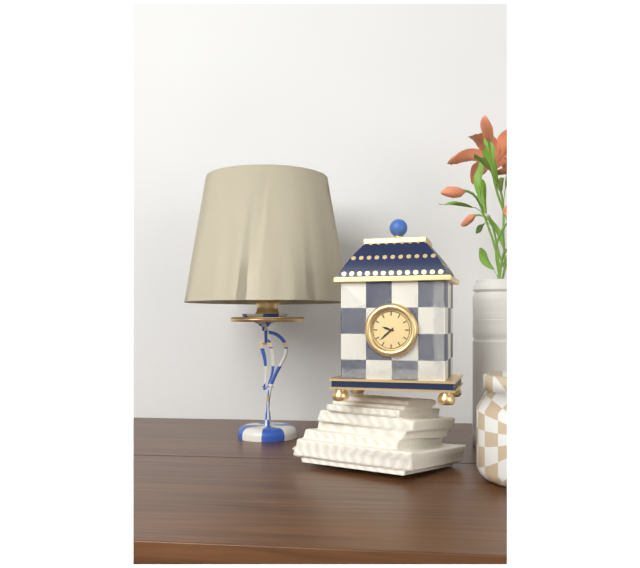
9:38
